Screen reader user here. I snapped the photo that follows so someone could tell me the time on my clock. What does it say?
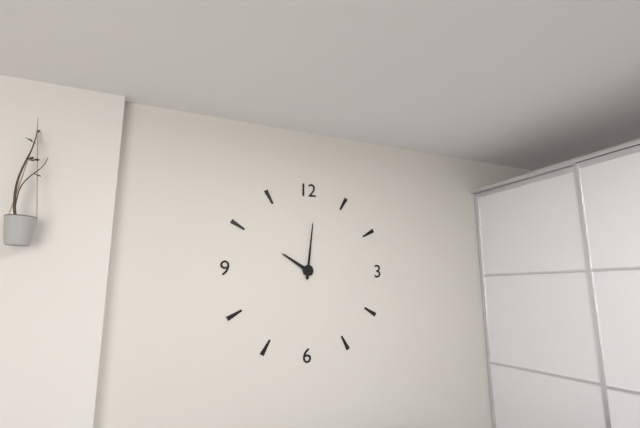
10:01
